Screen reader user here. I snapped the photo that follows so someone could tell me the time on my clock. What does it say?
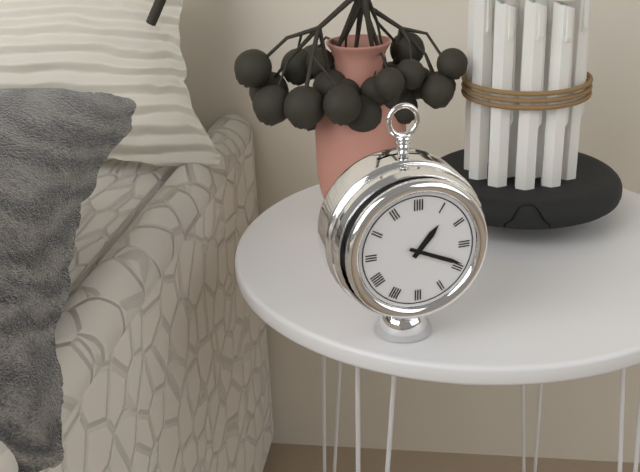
1:19
